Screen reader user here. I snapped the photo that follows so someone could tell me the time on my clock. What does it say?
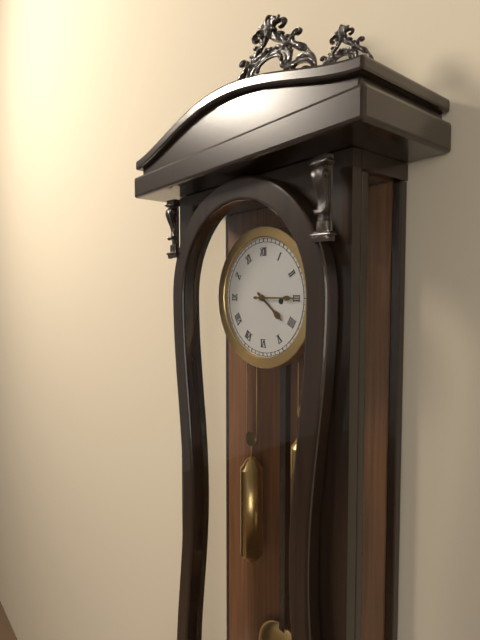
4:15
